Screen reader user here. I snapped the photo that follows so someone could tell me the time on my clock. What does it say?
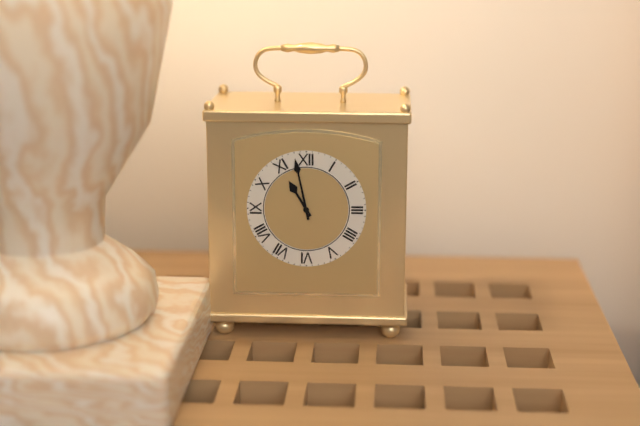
10:58
